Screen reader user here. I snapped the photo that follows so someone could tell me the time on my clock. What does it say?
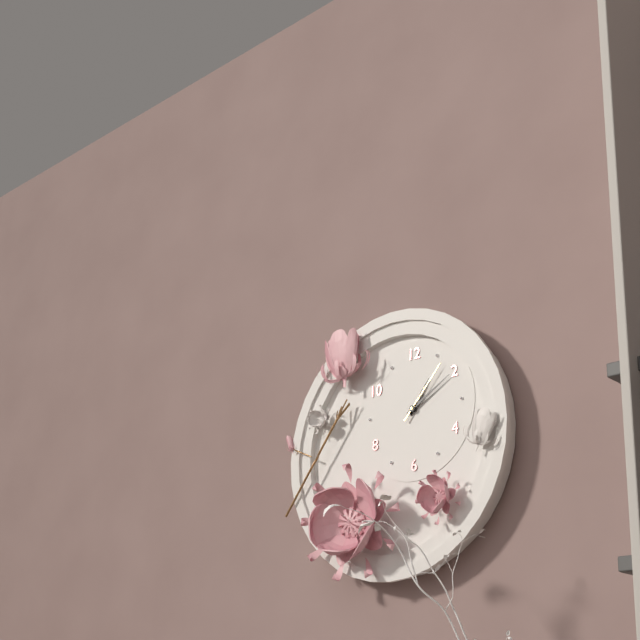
1:10:07
